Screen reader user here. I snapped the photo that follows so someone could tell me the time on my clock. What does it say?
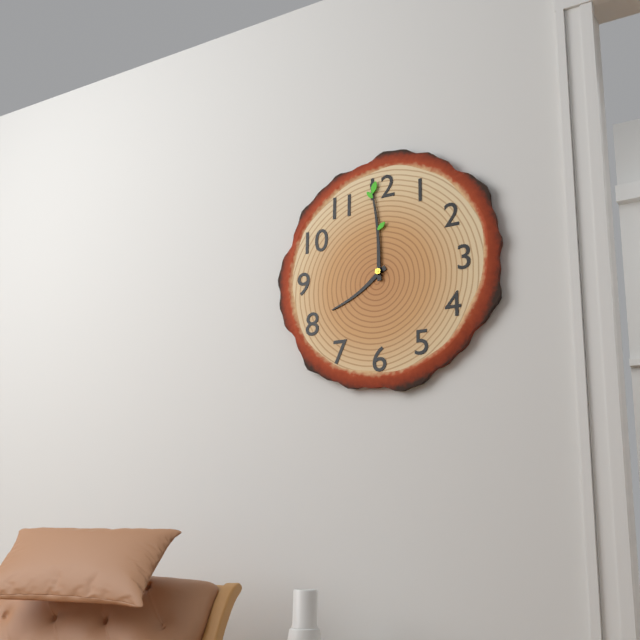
7:59
